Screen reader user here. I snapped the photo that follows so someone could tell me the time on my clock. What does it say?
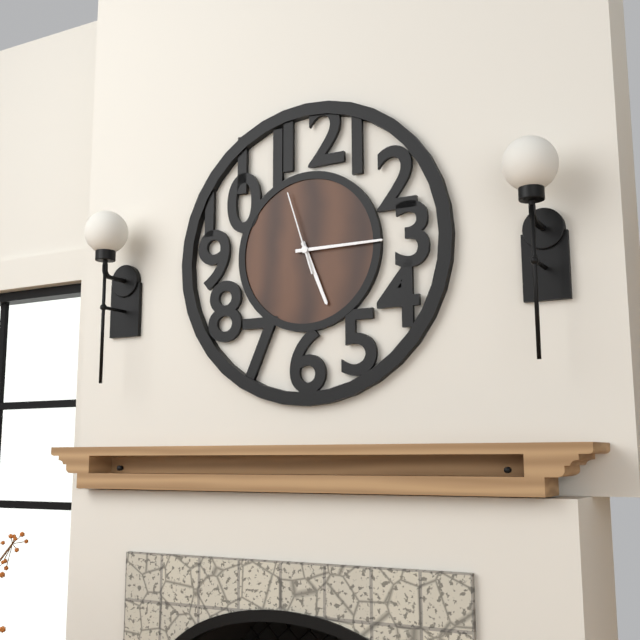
5:15:57
